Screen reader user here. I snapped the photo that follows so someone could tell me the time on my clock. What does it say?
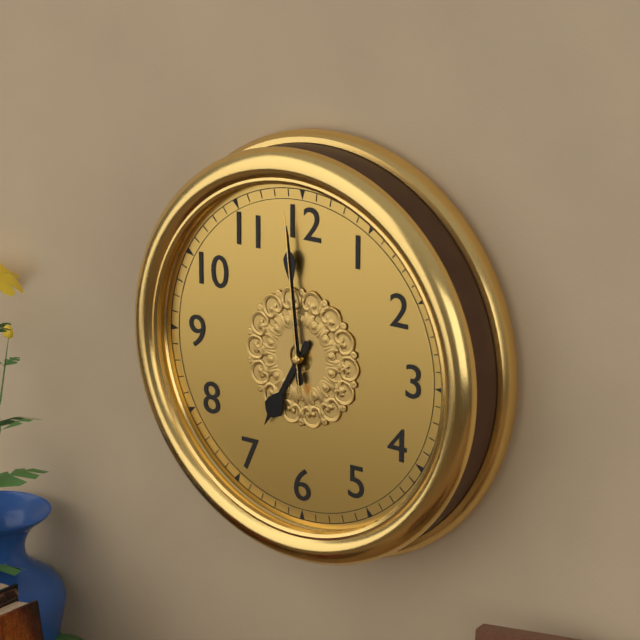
6:59:59
